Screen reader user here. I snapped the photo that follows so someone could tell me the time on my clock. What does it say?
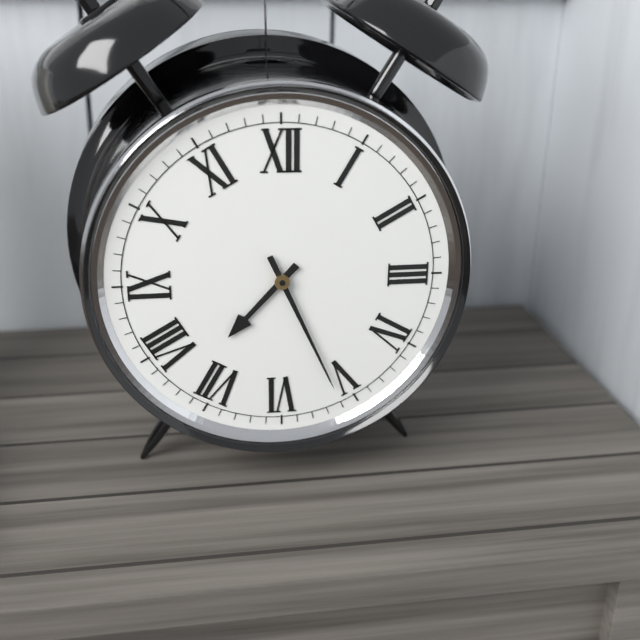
7:26
